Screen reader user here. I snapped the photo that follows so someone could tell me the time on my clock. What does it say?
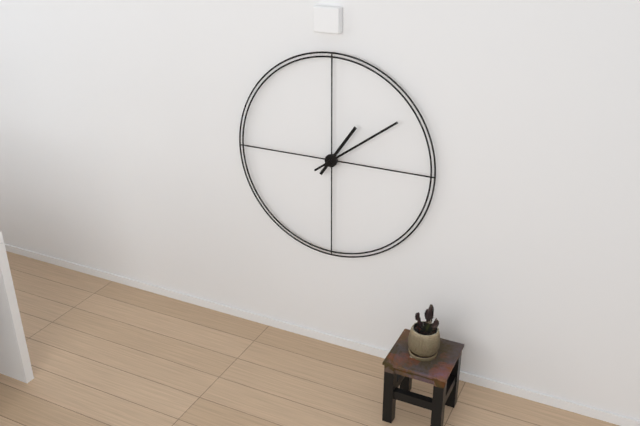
1:09
